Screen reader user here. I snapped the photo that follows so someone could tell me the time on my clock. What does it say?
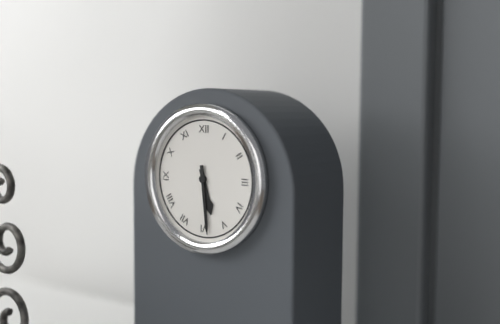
5:29
